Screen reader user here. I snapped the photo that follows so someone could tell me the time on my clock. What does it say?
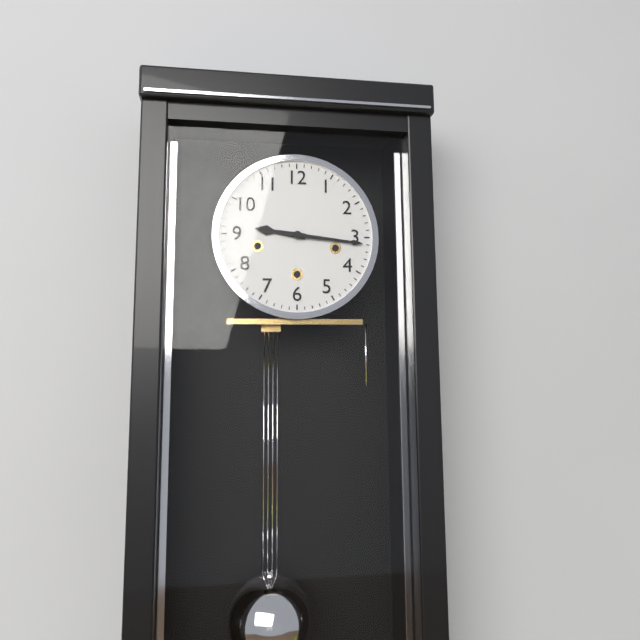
9:16
